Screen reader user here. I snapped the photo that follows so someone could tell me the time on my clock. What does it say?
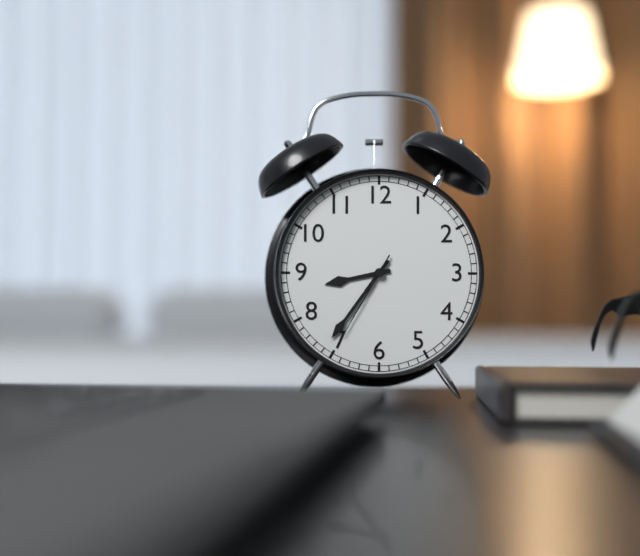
8:36:35
